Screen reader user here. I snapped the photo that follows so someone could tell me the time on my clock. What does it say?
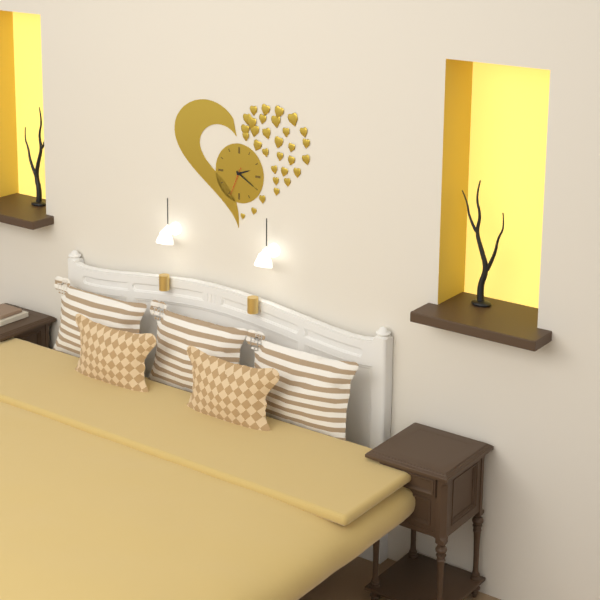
2:20
